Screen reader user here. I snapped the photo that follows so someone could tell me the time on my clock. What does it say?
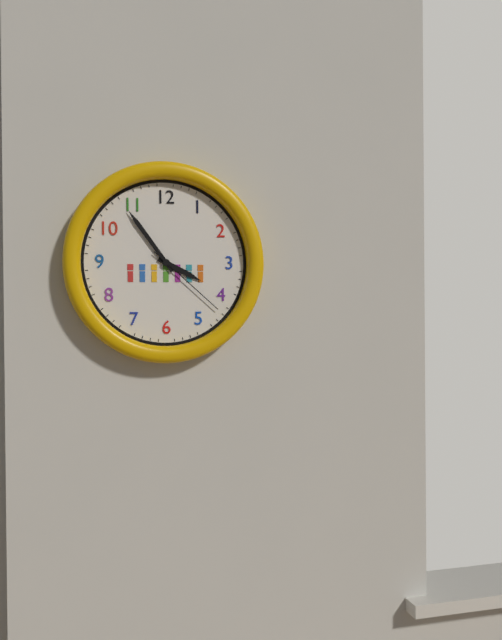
3:54:22
